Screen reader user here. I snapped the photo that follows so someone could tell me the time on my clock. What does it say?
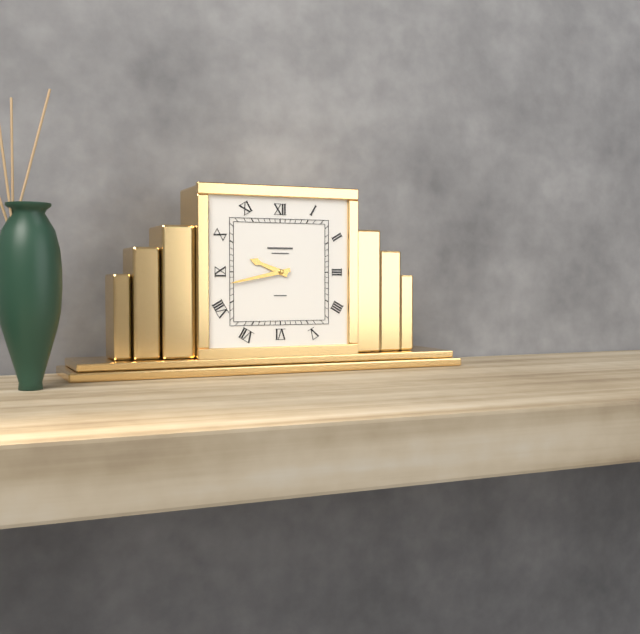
9:43
